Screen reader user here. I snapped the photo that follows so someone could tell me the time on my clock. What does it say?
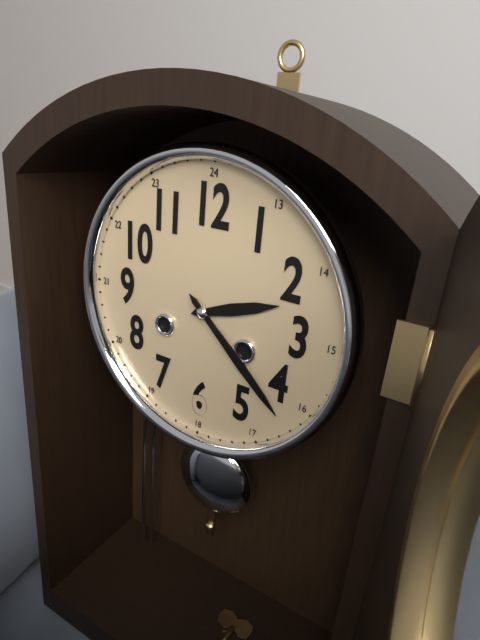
2:22
